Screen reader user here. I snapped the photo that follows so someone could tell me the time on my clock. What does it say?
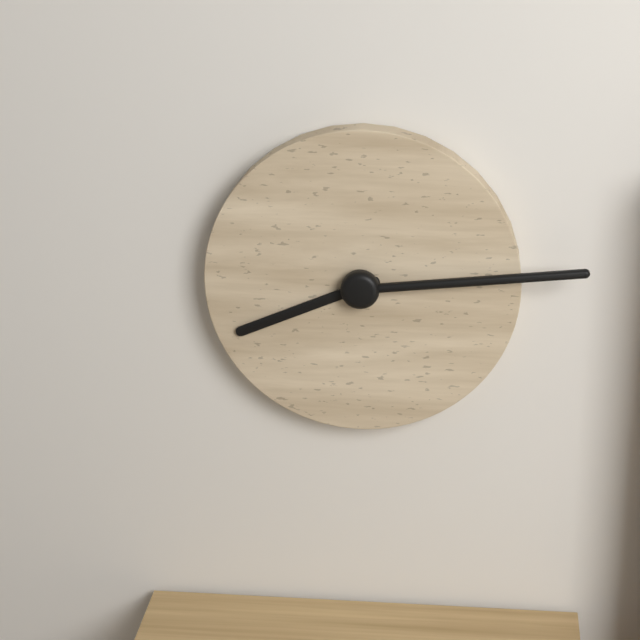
8:14
